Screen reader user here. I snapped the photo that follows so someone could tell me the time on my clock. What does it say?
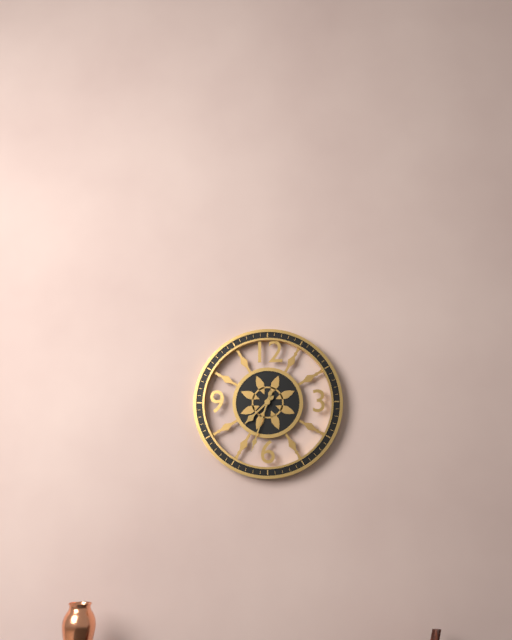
7:33
